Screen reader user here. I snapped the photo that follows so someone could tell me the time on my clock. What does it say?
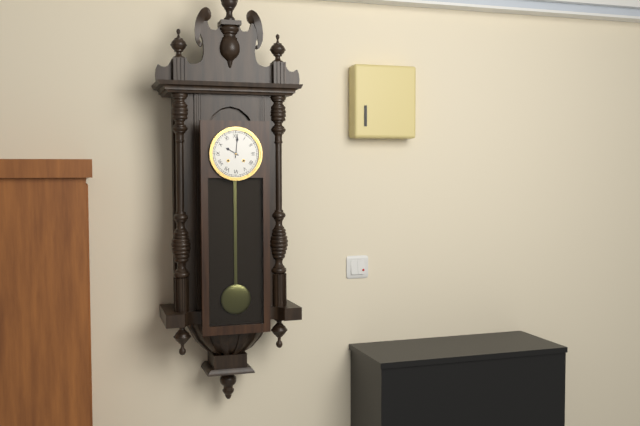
10:01
